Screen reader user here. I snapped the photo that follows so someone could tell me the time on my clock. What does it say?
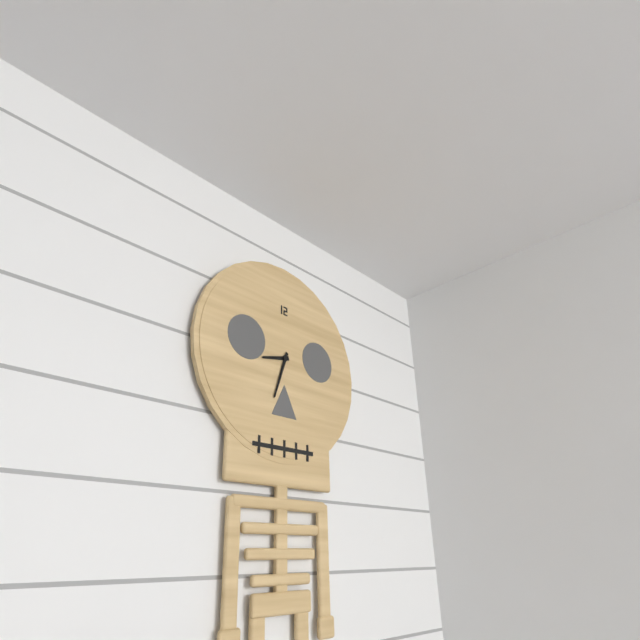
8:33
